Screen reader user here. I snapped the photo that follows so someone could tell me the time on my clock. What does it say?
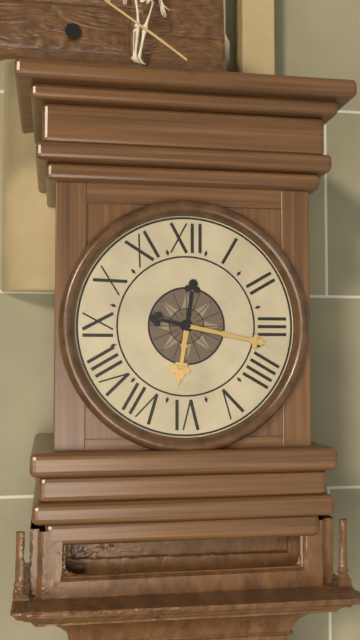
6:17
